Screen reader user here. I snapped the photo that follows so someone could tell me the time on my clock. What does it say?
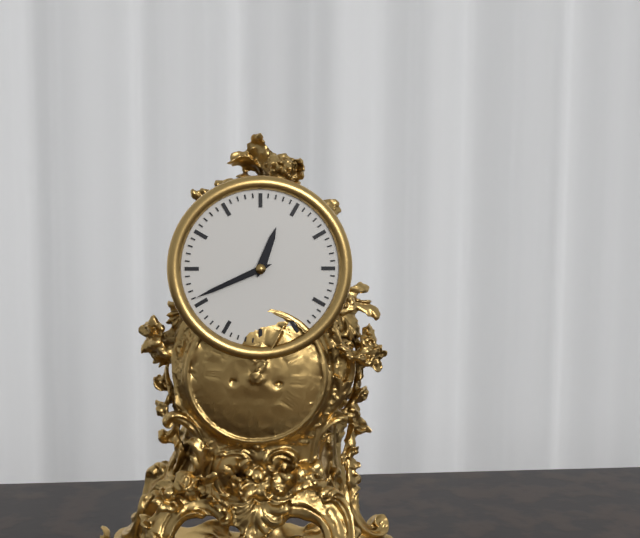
12:41
